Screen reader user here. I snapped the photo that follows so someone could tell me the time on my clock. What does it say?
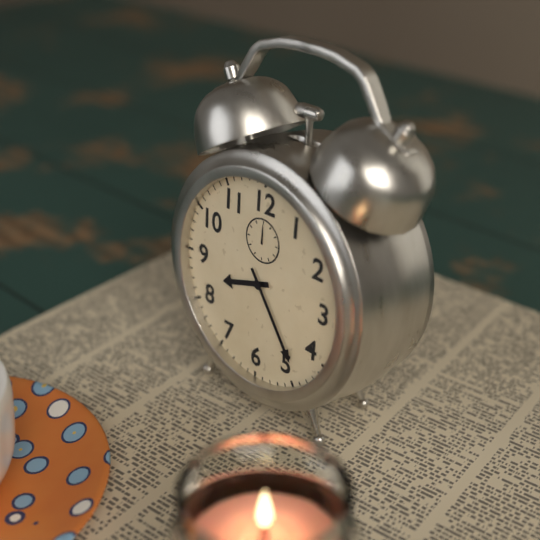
8:24
